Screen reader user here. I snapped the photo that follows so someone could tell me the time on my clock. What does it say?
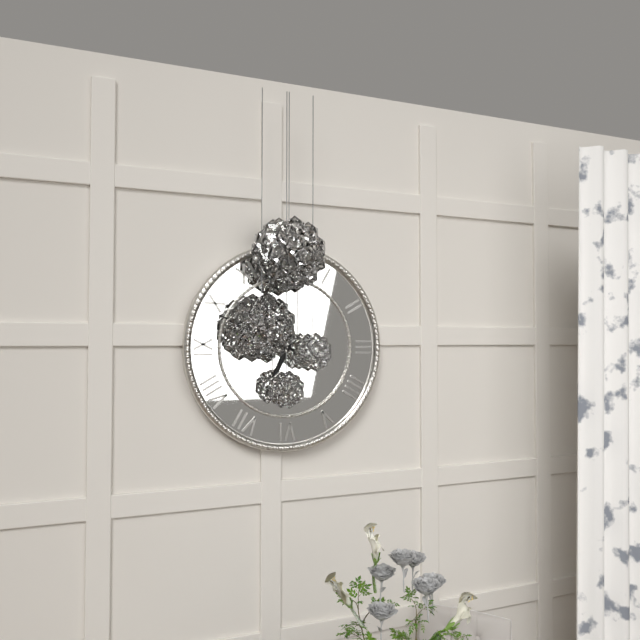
6:49
